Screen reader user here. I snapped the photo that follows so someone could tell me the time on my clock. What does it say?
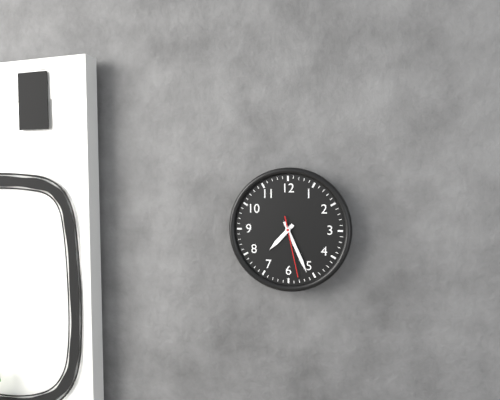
7:26:28
